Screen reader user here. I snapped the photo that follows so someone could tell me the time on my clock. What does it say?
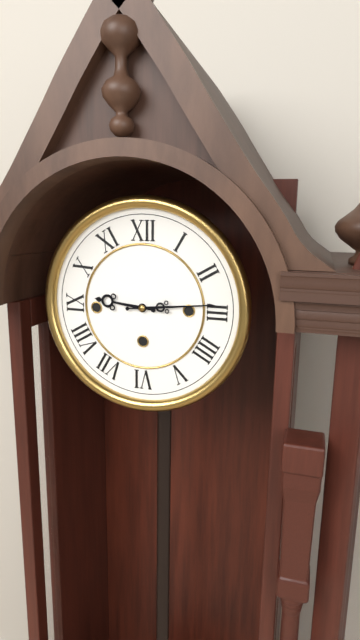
9:14
